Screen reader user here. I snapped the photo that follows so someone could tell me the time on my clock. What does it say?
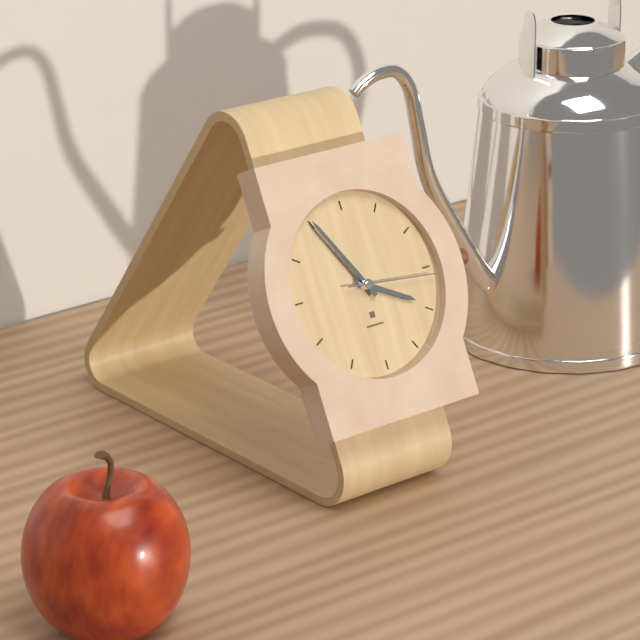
3:55:16
